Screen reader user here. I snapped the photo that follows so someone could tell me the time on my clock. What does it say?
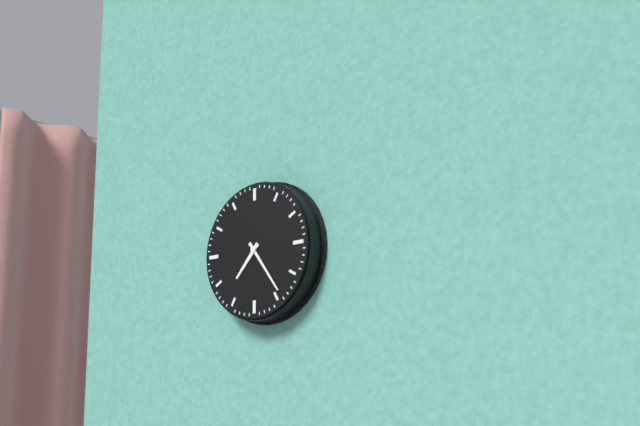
7:24
